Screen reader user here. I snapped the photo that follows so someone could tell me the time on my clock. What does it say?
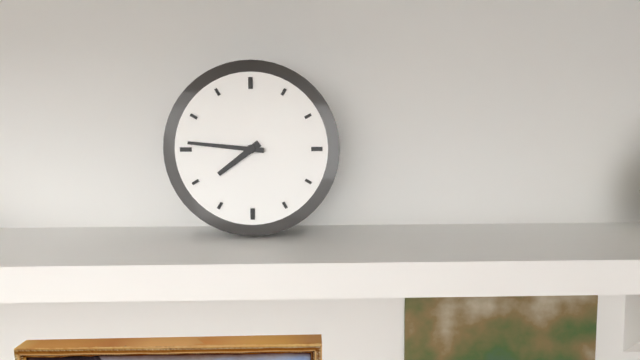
7:46
